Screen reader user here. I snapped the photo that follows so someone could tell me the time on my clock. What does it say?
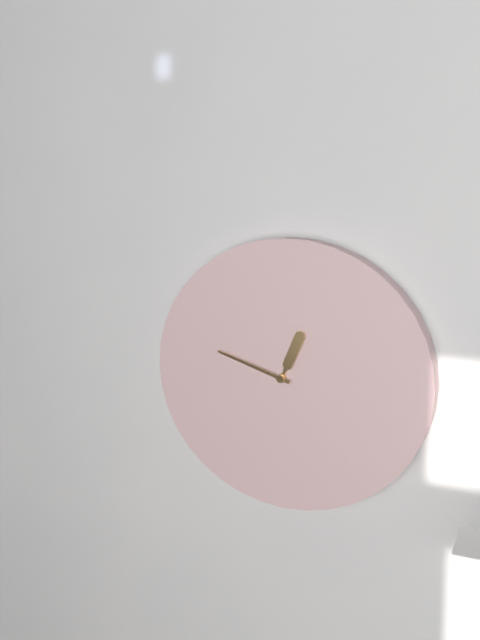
12:48
